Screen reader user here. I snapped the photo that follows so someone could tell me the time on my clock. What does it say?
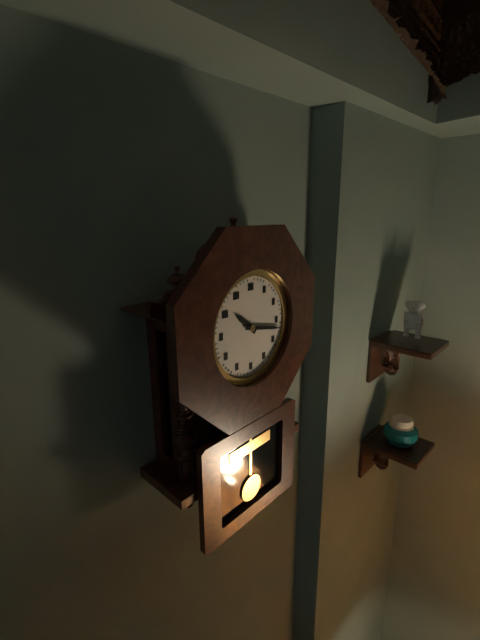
10:17
